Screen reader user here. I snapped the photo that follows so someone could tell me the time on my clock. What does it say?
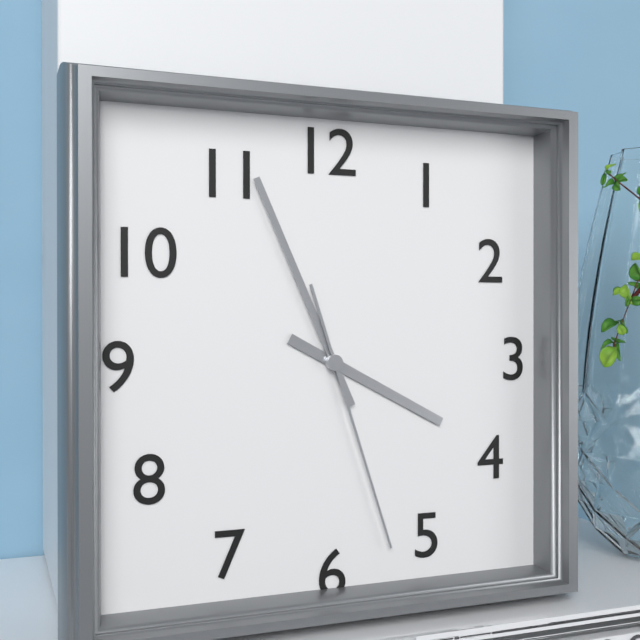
3:56:27
